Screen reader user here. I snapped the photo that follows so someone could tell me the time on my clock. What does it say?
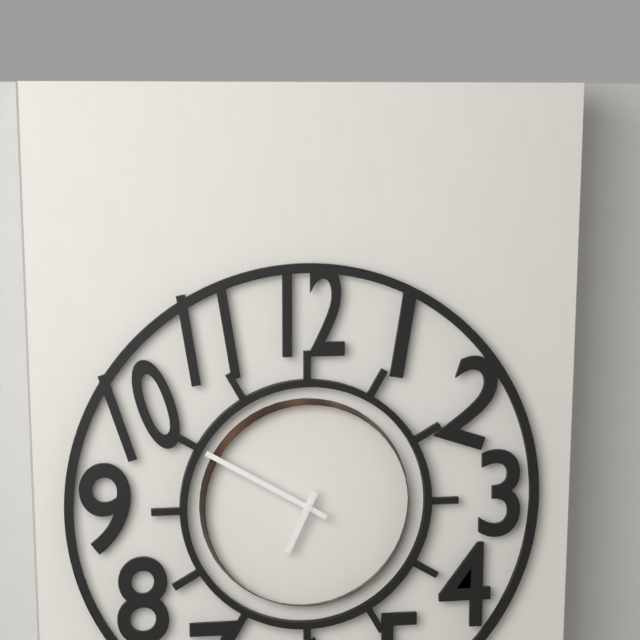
6:50
